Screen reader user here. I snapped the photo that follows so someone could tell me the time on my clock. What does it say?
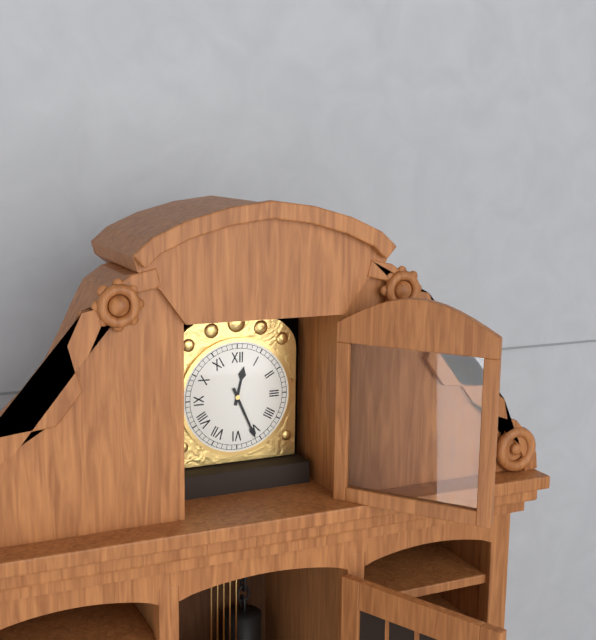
12:26
